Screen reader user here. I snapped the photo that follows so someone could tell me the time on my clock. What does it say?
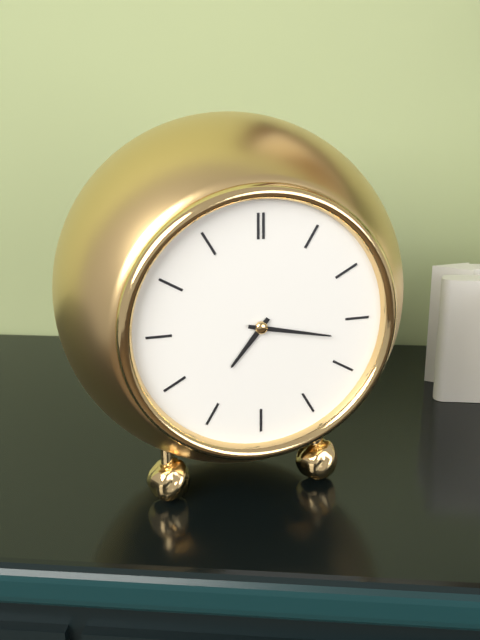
7:17
